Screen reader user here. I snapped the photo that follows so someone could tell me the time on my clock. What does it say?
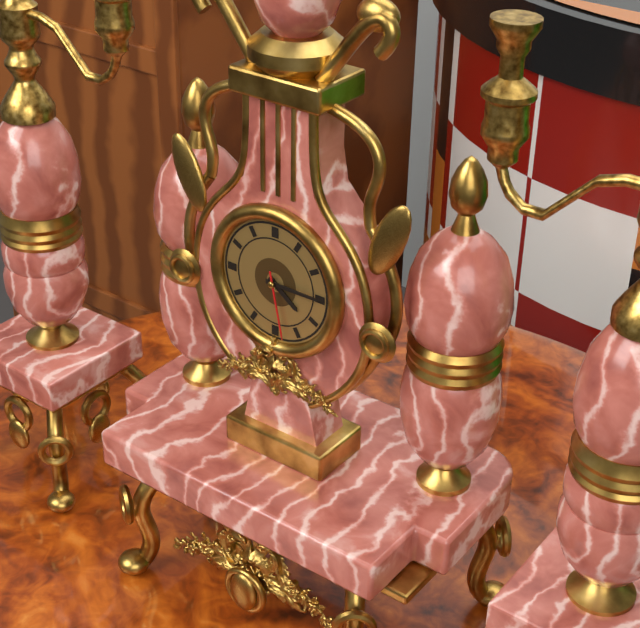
4:15:28
